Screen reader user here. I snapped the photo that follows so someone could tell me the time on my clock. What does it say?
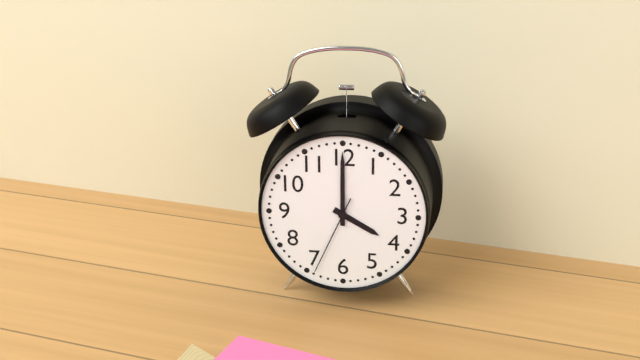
4:00:34
